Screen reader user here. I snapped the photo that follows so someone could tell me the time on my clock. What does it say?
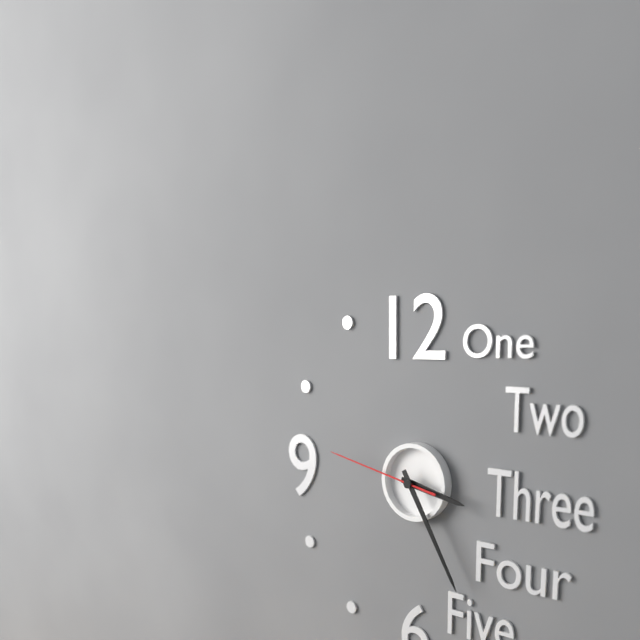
3:25:47
